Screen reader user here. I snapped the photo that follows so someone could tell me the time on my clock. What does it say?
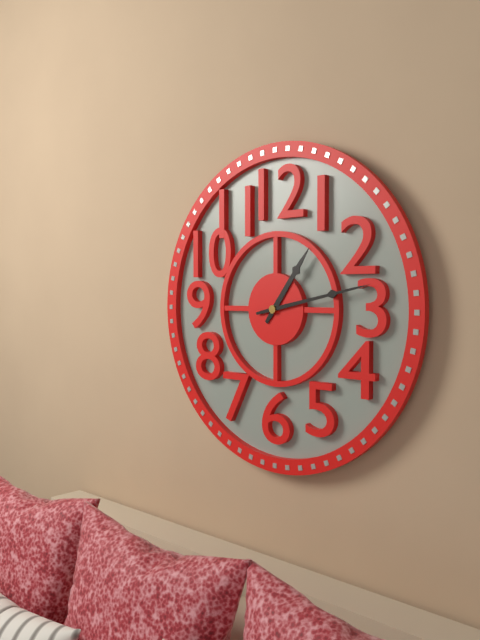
1:13
